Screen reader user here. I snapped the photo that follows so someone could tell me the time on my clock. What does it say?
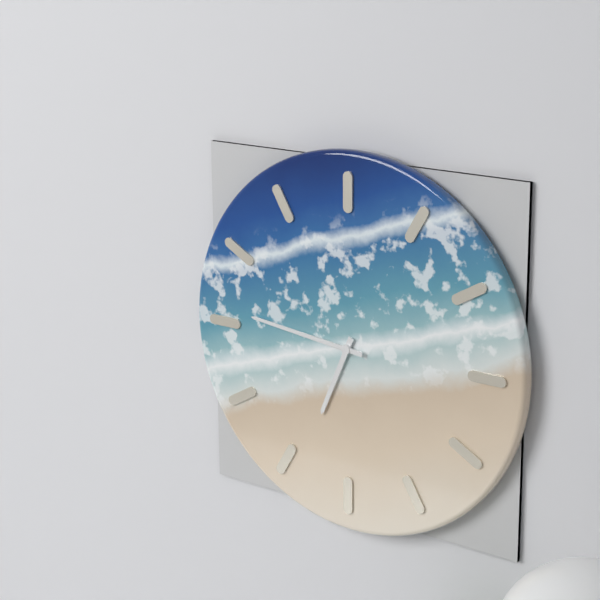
6:46
